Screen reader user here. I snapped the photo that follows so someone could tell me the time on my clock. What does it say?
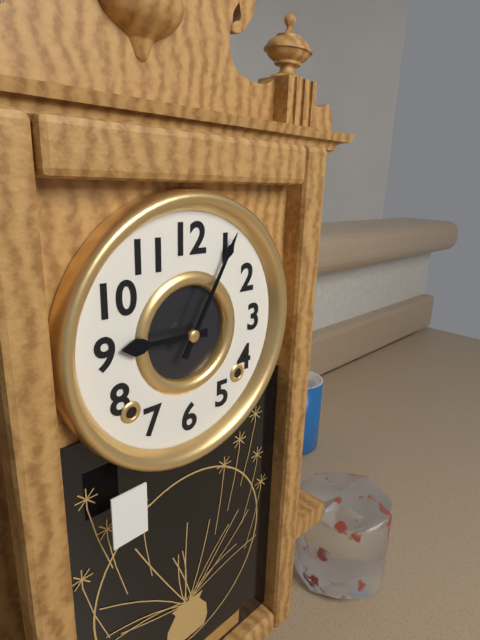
9:05
